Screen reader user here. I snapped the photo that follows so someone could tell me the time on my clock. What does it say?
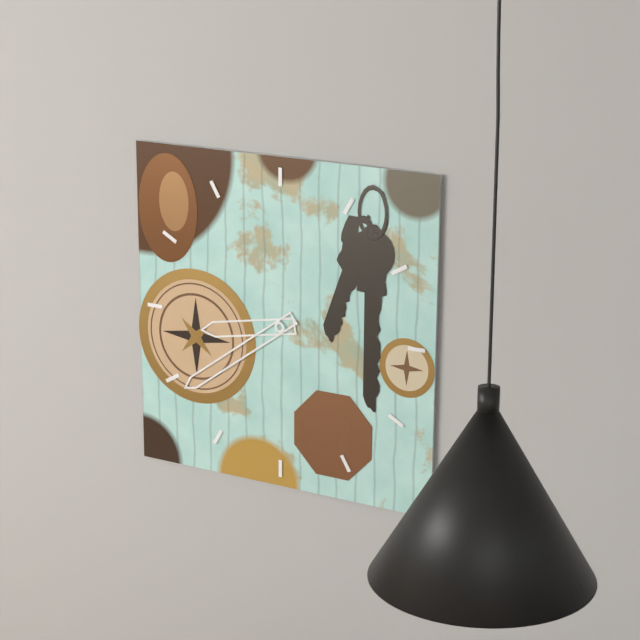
8:39
